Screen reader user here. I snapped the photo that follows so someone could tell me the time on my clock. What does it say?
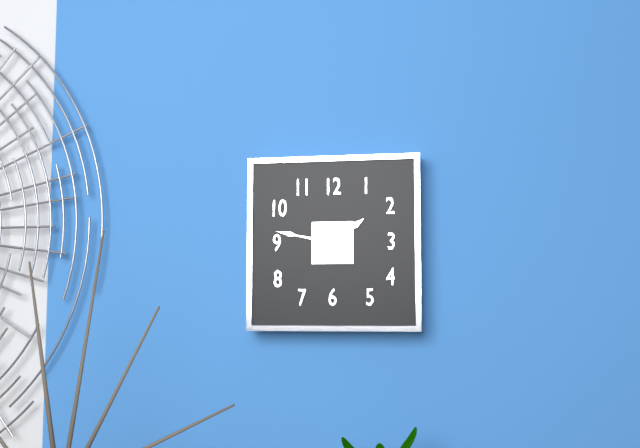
1:47
